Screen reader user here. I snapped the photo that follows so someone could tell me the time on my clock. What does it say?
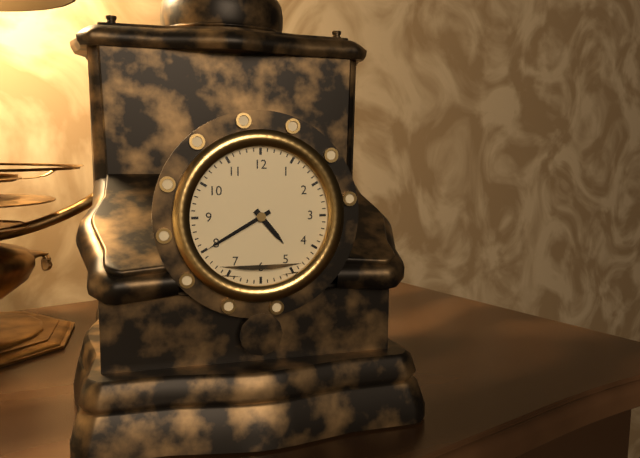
4:40
